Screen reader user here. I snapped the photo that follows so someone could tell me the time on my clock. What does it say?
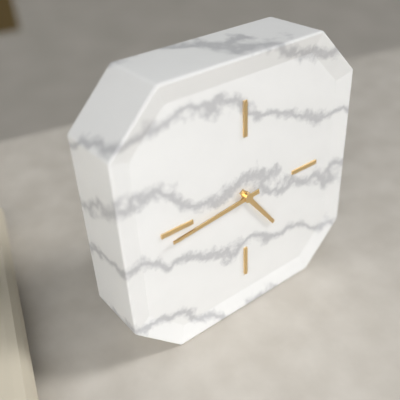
4:44
